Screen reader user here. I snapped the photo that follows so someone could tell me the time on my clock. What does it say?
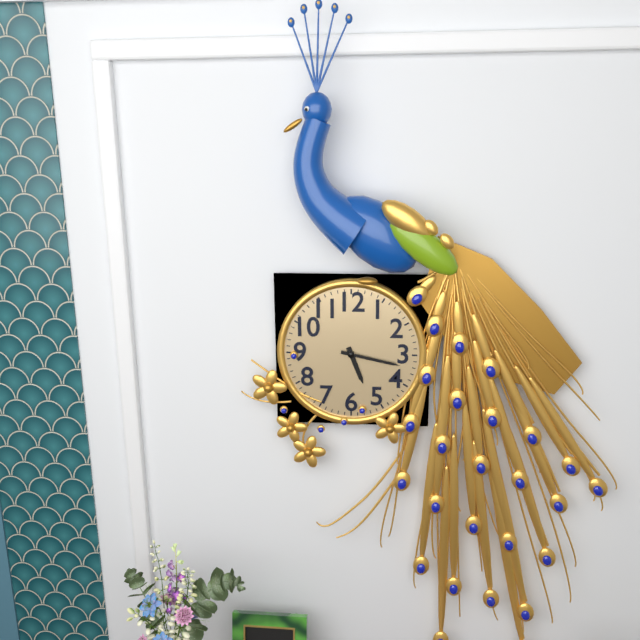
5:17
